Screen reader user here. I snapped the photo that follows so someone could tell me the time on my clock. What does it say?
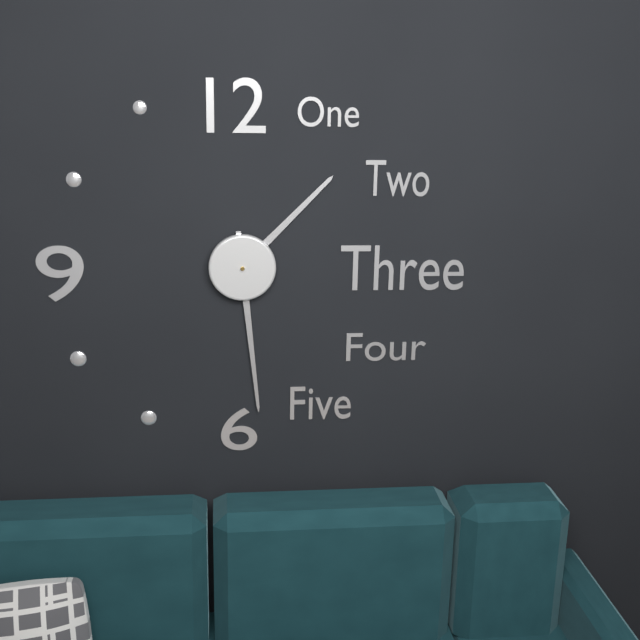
1:29
